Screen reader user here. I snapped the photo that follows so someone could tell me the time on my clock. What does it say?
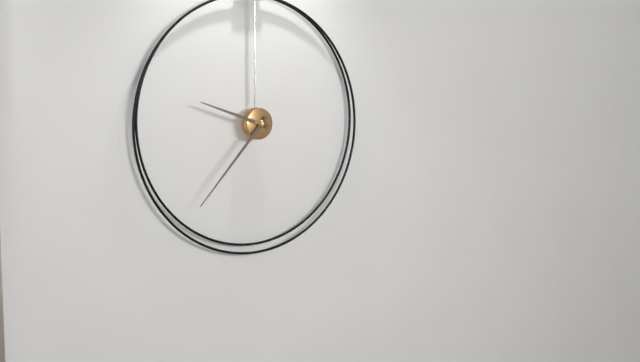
9:37
